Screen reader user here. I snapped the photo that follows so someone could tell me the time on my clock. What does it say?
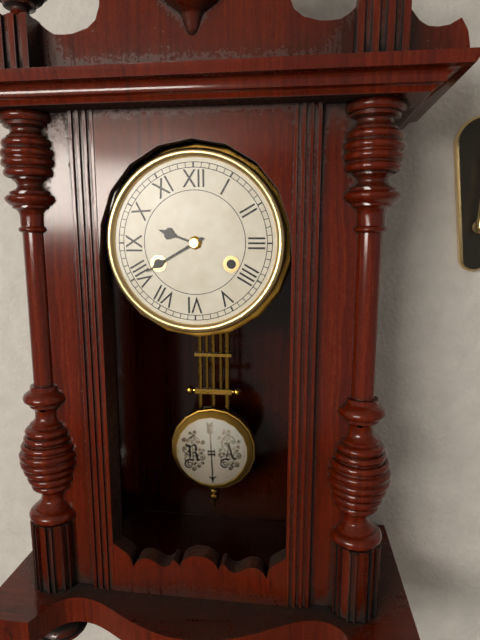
9:40
